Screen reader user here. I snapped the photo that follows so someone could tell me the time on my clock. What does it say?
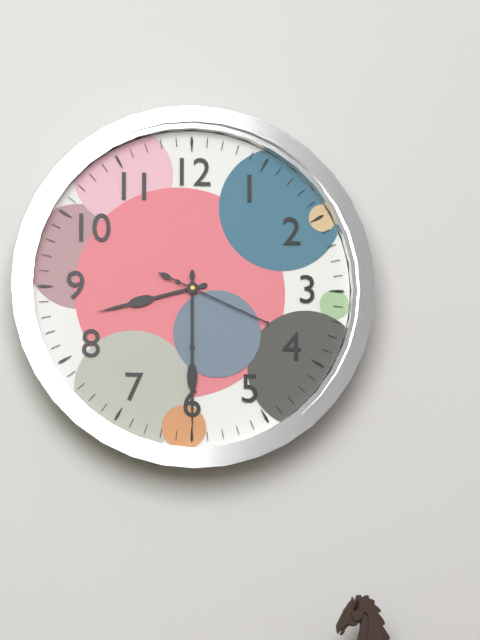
8:30:19
